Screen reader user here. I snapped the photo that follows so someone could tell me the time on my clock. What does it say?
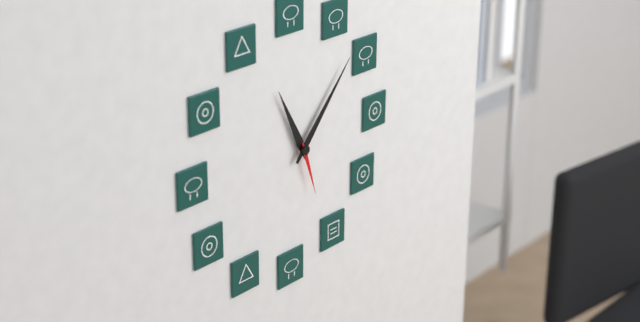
11:07:27
